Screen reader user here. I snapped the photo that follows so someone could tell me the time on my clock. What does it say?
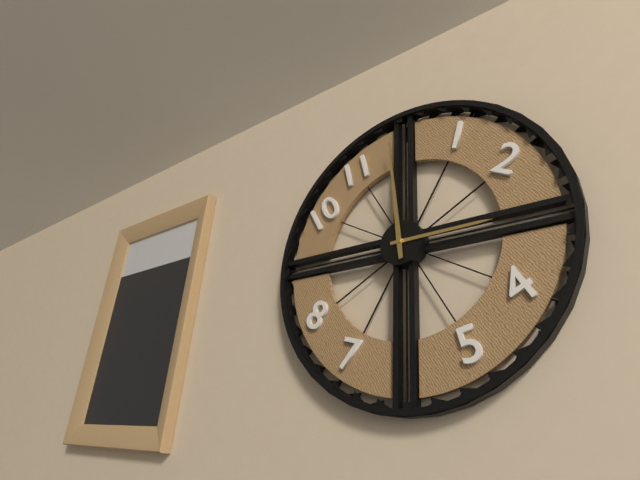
2:59
